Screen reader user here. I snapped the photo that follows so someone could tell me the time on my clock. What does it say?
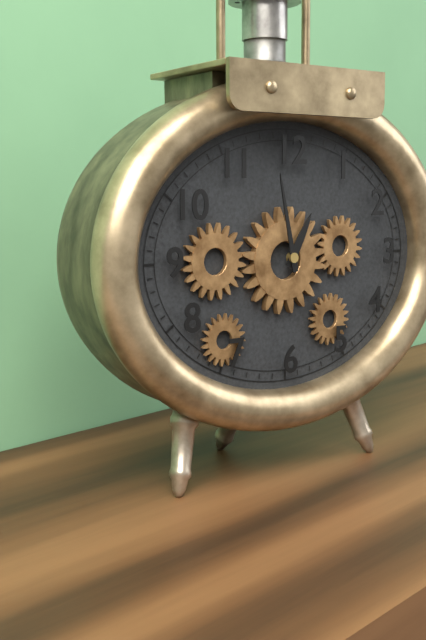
12:58
